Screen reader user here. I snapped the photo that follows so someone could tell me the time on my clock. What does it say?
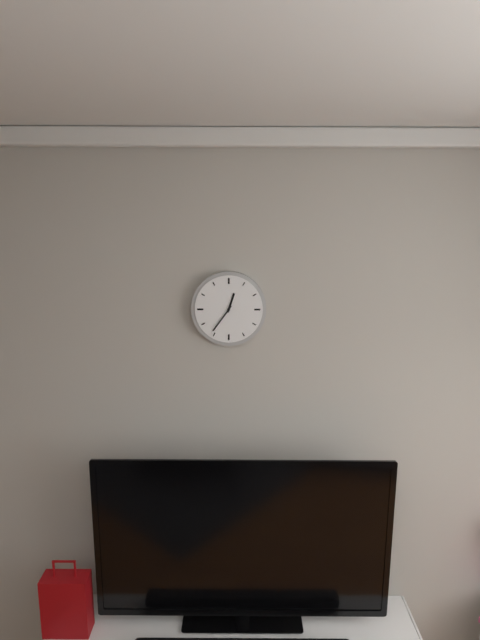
12:36
